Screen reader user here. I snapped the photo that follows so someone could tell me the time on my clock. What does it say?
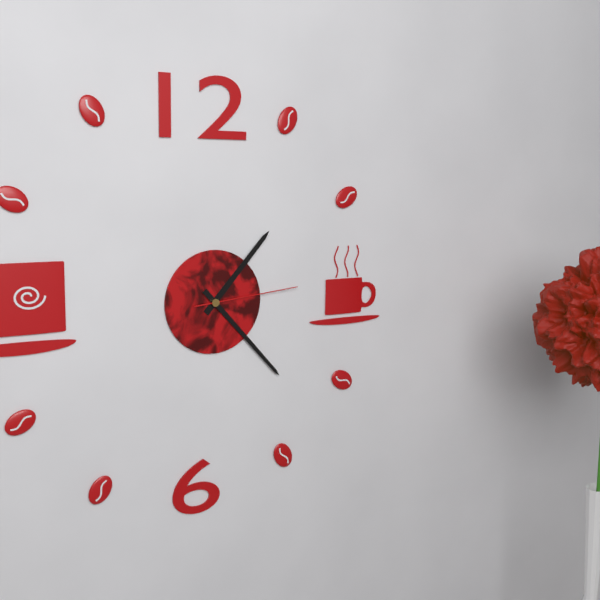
1:23:14
